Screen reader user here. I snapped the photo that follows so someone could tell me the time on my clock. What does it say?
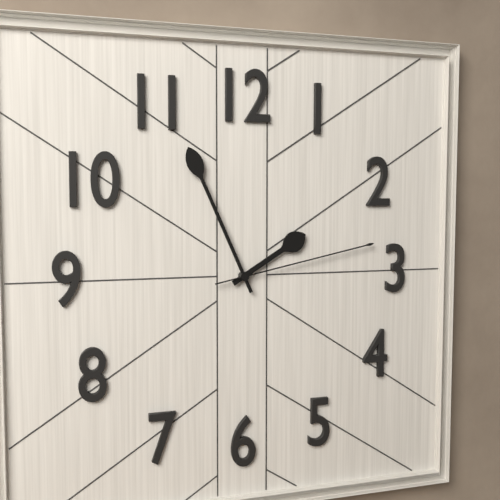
1:56:13
